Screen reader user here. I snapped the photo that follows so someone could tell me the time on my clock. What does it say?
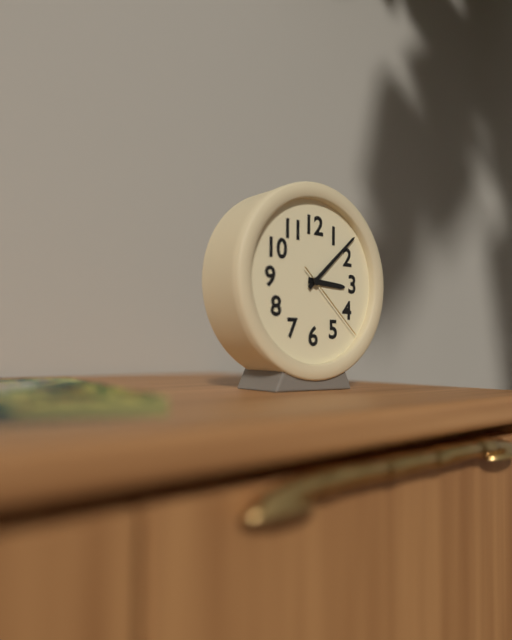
3:08:22
